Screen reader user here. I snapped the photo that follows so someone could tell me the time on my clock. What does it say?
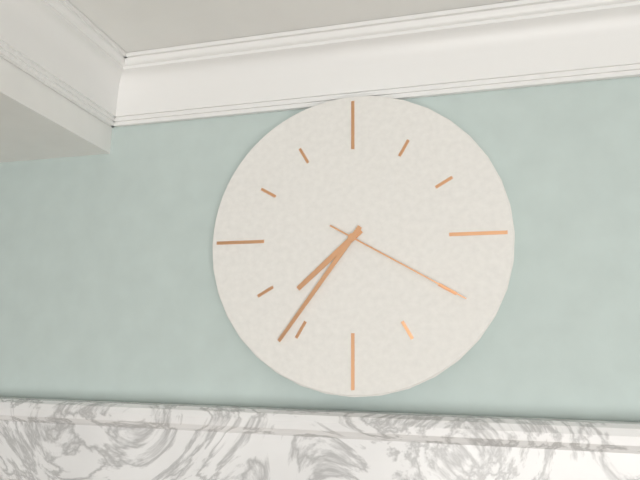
7:36:20
